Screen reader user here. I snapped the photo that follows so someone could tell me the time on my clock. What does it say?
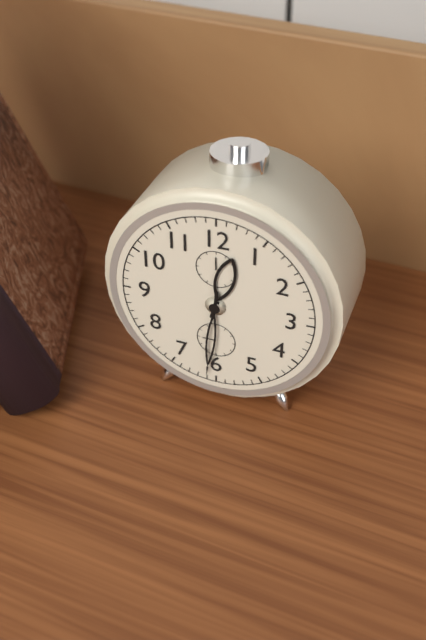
12:31
